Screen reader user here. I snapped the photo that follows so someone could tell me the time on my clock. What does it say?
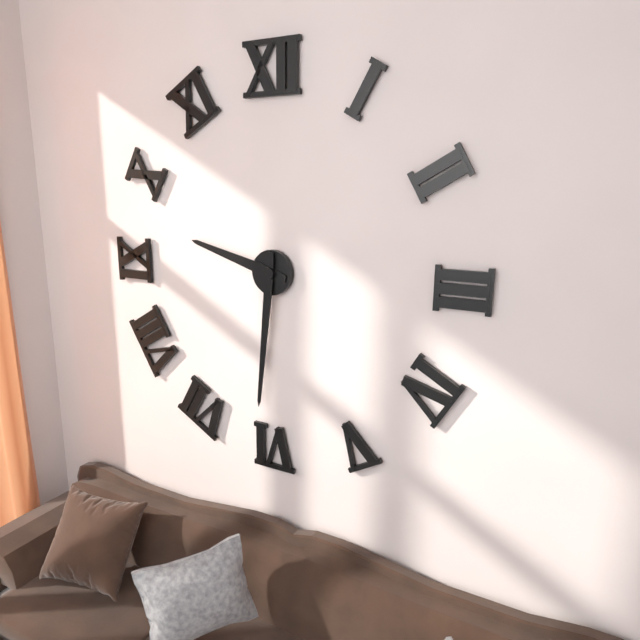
9:31
